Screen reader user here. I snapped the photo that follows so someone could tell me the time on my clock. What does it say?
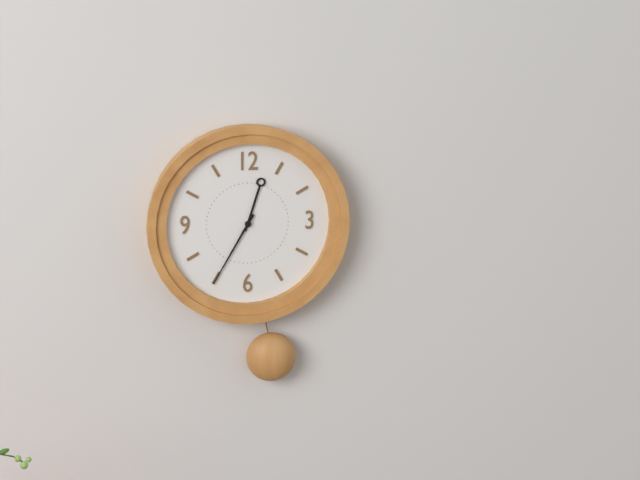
12:35
